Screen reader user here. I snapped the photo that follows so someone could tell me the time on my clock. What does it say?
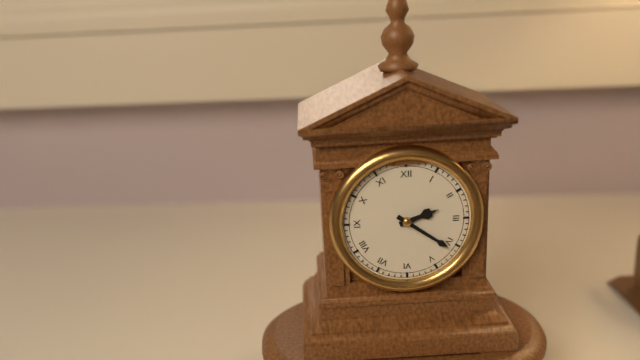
2:21
